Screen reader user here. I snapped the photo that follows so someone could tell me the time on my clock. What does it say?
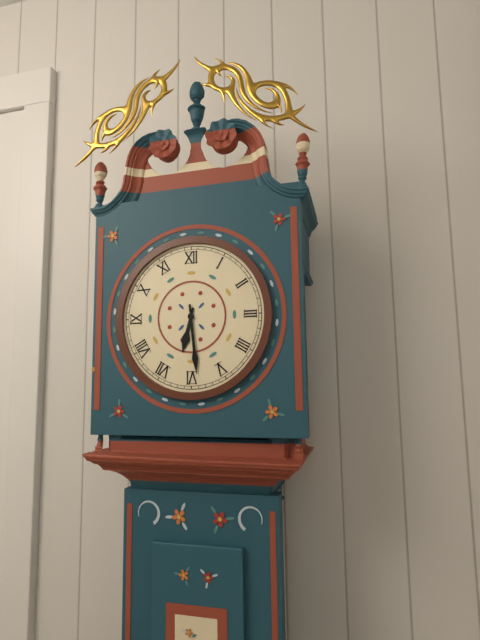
6:29
